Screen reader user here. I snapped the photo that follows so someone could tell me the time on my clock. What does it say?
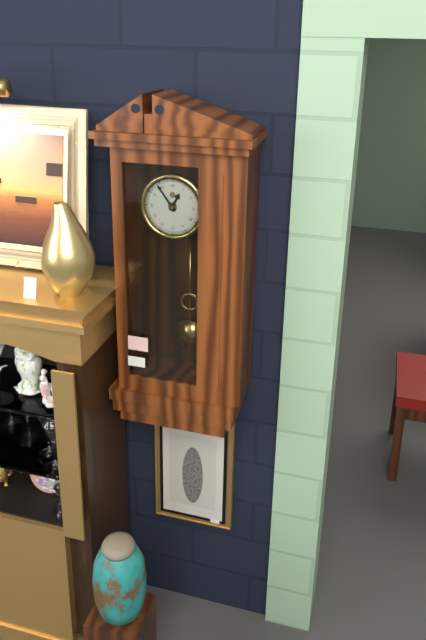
12:54
